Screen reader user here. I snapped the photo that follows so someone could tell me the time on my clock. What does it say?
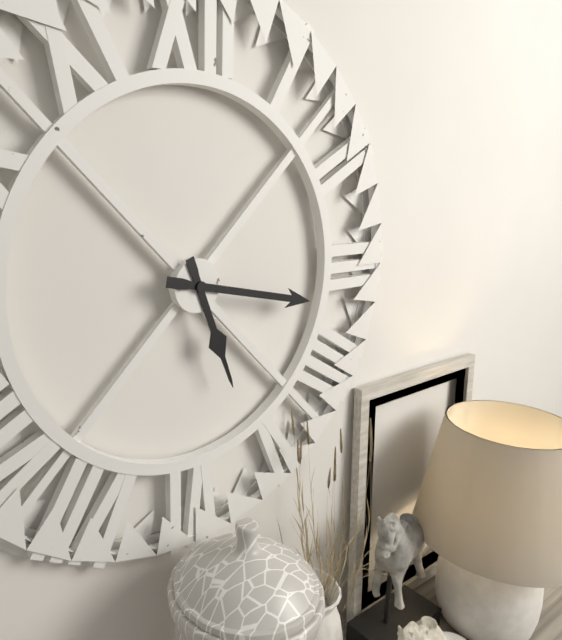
5:17
